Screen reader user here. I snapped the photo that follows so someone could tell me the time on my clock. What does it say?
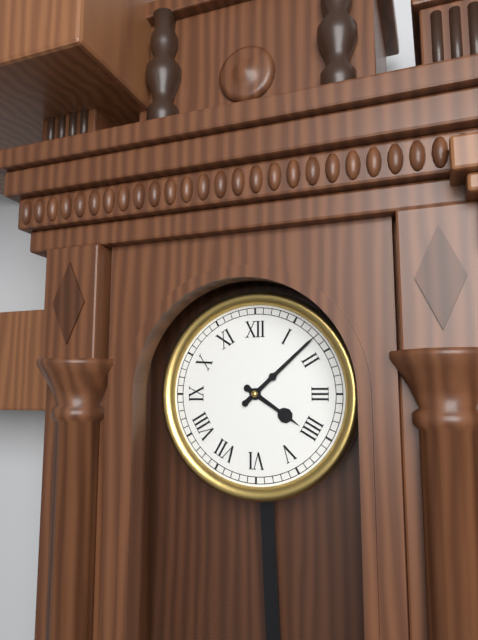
4:08
